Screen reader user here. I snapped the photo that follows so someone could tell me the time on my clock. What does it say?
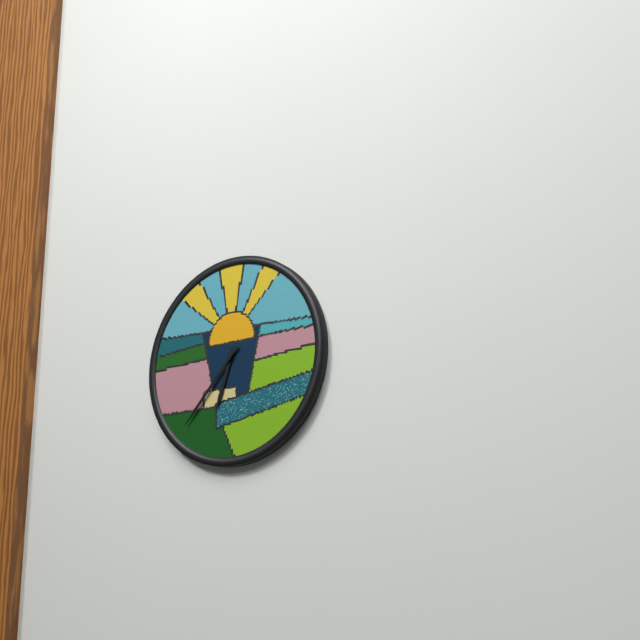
6:37
